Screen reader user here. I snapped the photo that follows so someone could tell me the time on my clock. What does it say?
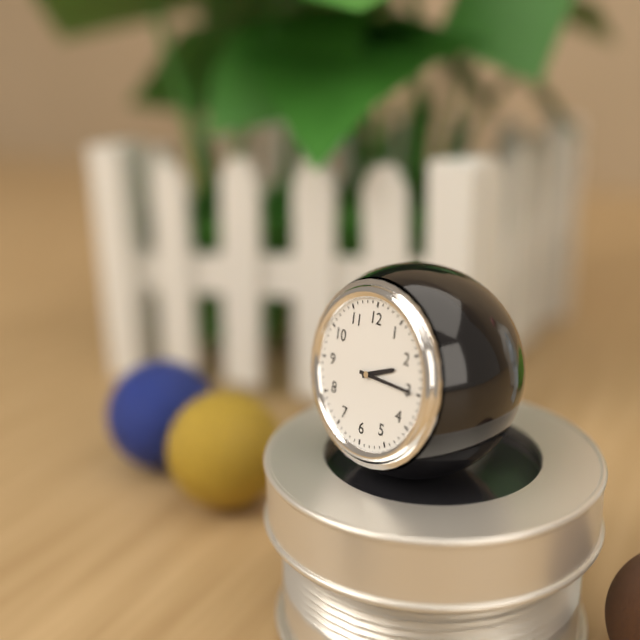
2:15
